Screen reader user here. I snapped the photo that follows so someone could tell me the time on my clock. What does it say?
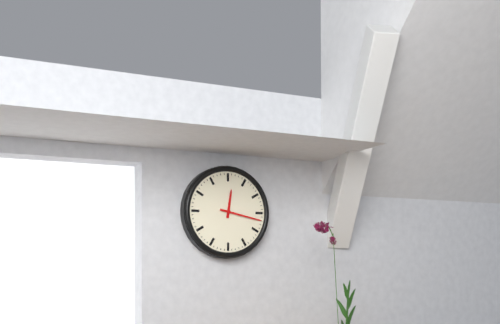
12:17
